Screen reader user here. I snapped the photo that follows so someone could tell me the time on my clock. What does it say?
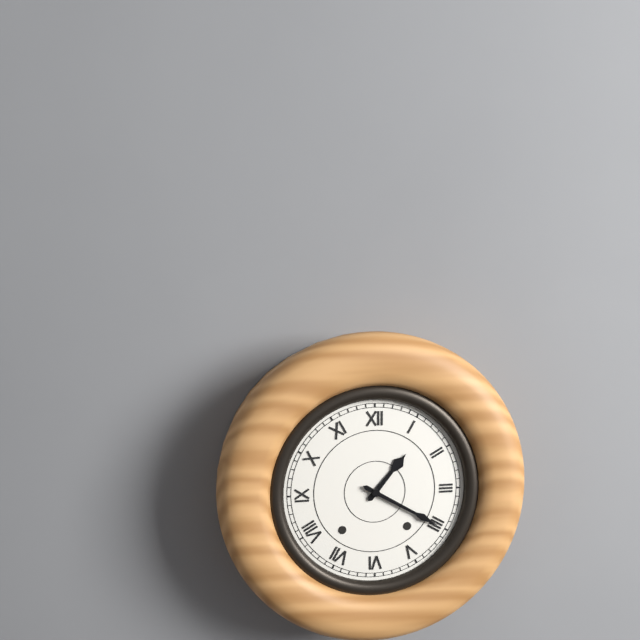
1:20
